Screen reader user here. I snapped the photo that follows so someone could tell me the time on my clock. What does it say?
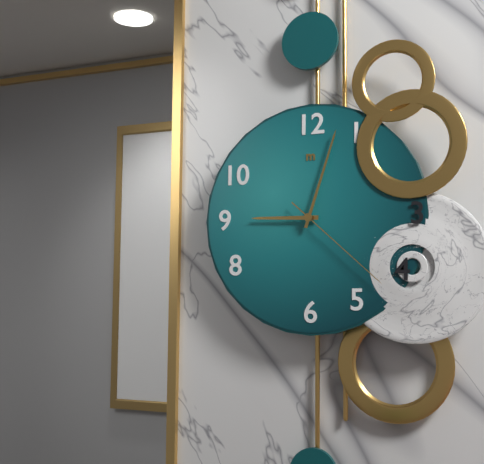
9:03:22
